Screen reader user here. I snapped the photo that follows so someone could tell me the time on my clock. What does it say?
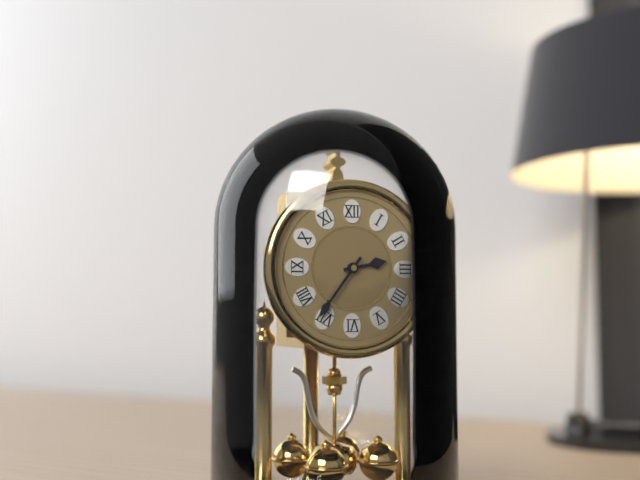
2:36
